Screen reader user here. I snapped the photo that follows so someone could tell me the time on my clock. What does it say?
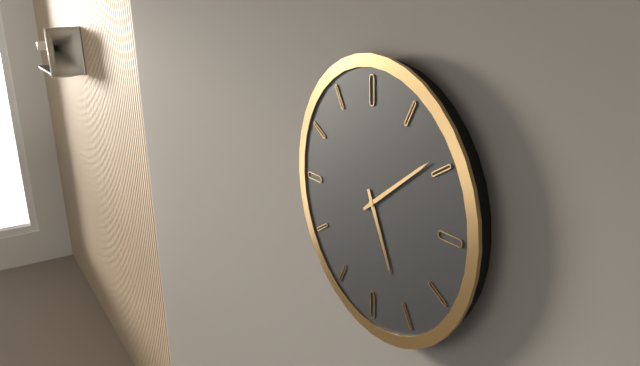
5:09
